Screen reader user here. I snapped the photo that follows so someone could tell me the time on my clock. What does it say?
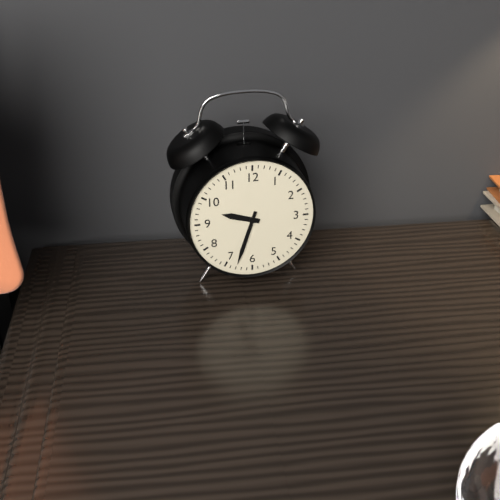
9:33
